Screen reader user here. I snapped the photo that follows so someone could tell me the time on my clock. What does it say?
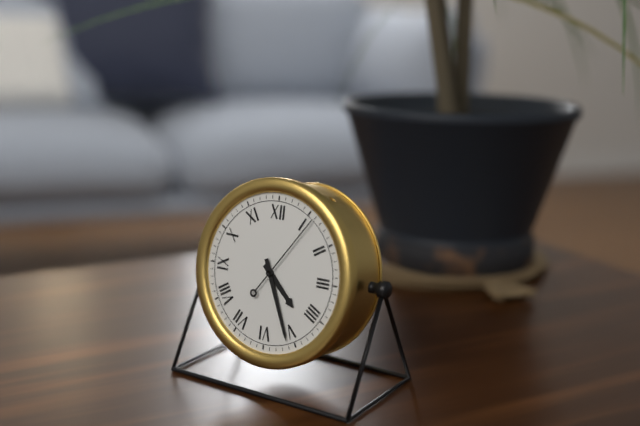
4:26:06
